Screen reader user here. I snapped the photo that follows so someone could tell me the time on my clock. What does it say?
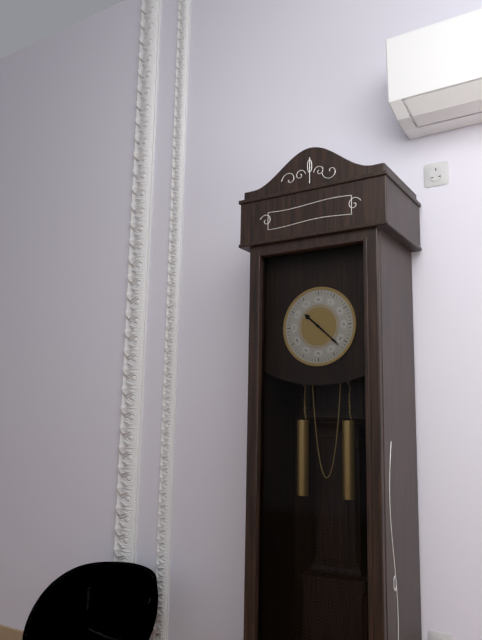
10:22
